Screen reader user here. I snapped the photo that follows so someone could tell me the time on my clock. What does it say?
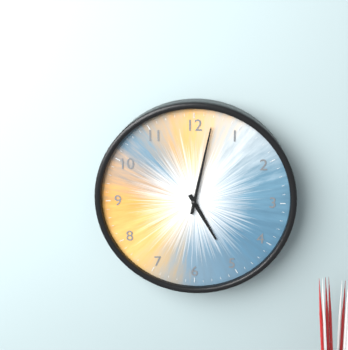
5:02
